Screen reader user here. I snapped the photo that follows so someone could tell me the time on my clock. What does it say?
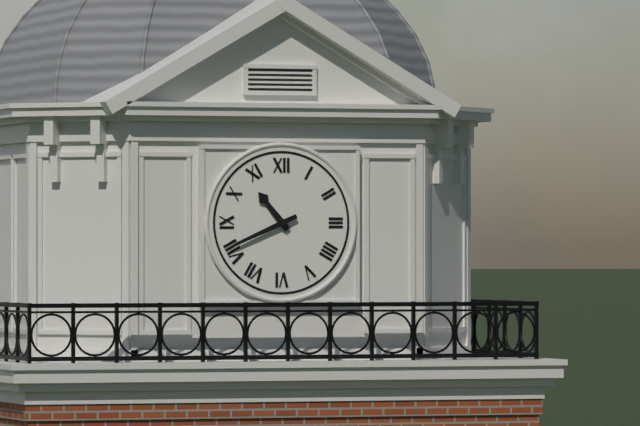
10:41
